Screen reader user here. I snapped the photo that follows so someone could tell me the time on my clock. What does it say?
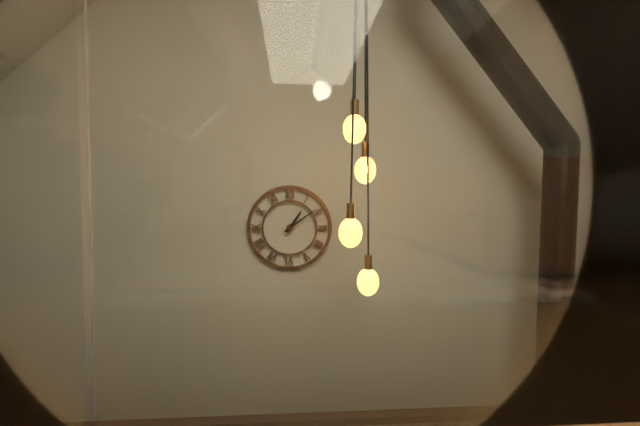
1:09
